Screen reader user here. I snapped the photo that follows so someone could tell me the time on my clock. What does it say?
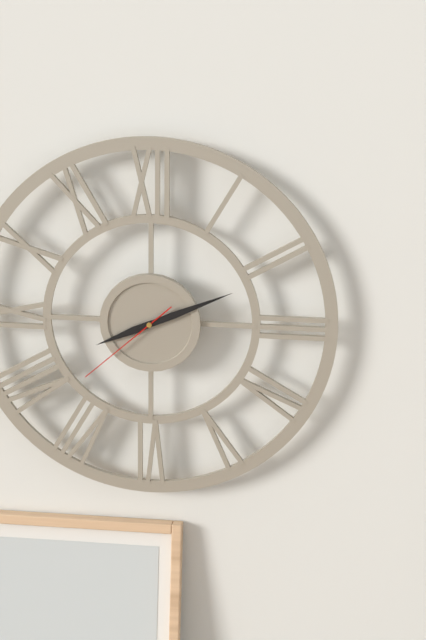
8:11:38
